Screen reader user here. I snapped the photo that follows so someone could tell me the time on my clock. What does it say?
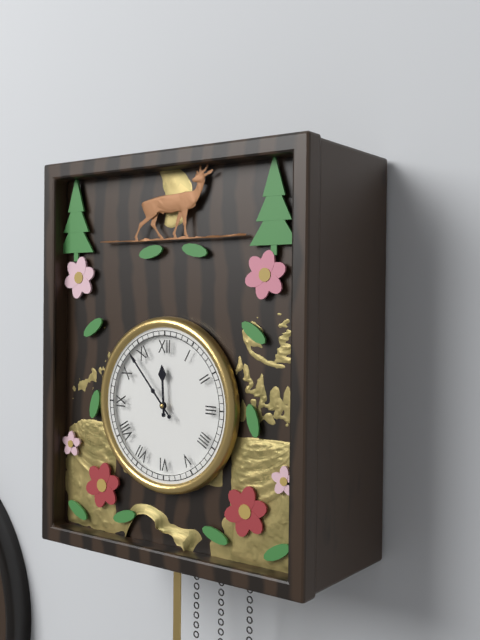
11:53
